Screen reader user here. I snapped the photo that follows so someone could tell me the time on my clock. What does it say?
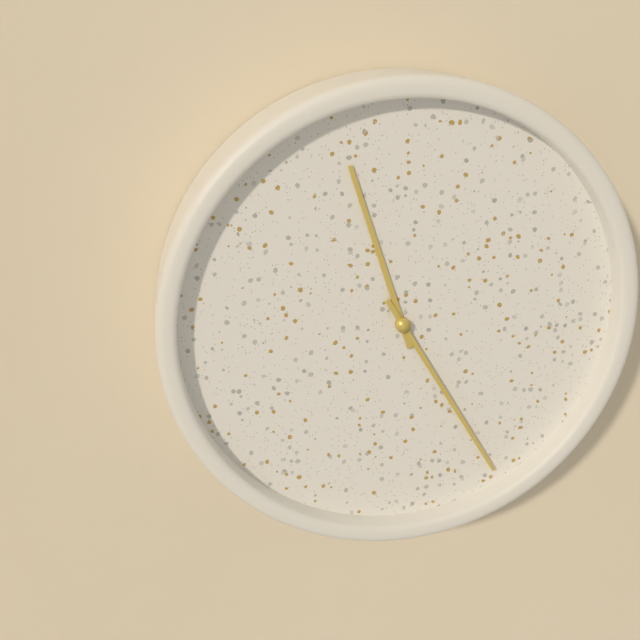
11:25
